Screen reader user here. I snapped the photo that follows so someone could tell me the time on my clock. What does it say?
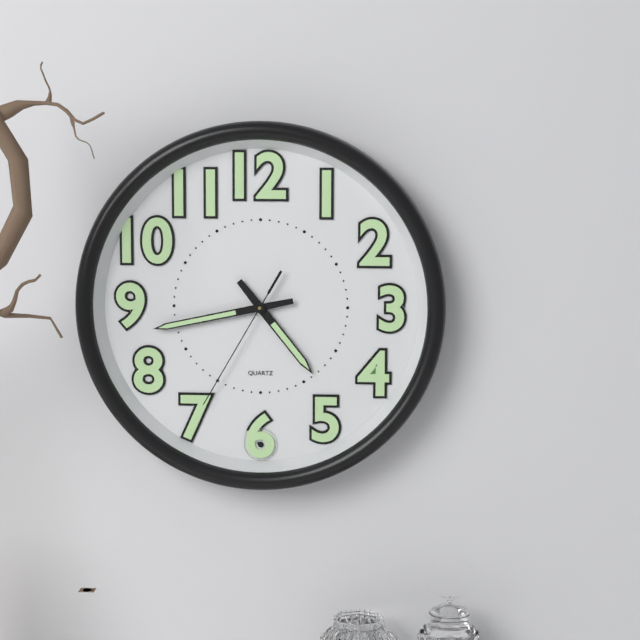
4:43:35
